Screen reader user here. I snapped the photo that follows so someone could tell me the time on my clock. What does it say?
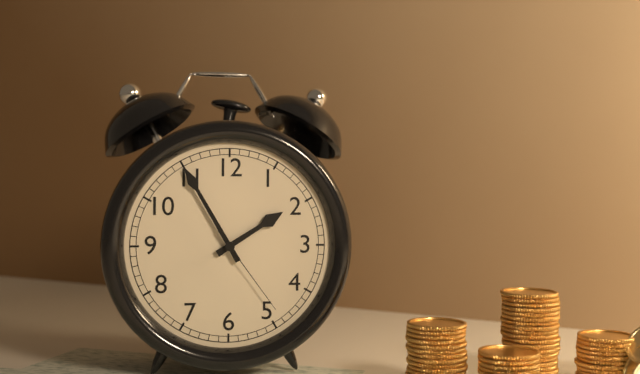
1:55:24
